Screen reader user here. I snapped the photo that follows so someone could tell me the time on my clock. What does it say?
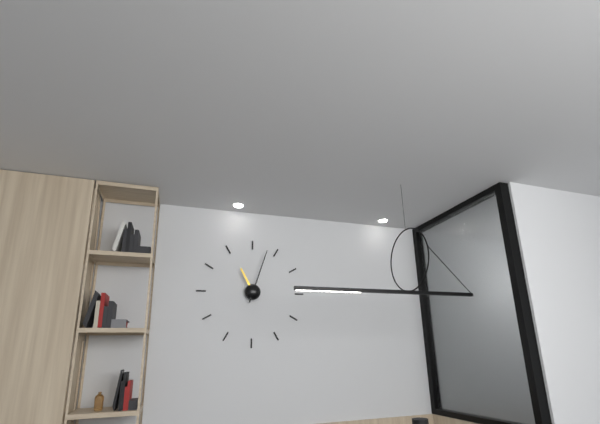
11:03
